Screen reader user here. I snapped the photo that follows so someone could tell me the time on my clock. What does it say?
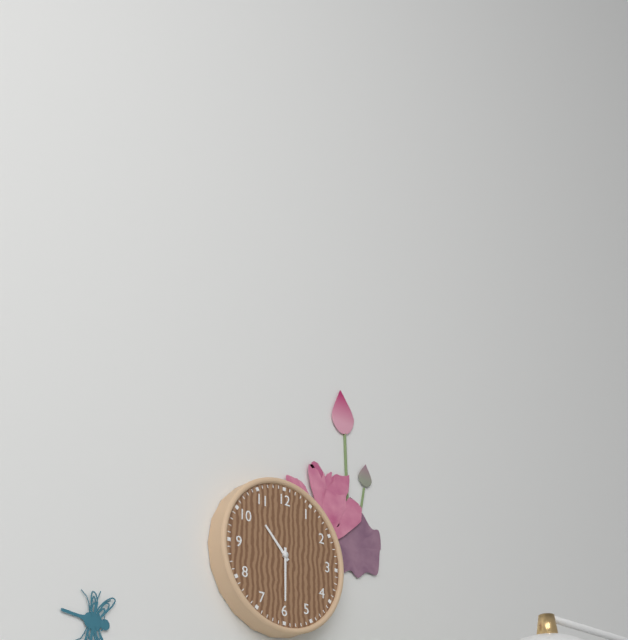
10:30
